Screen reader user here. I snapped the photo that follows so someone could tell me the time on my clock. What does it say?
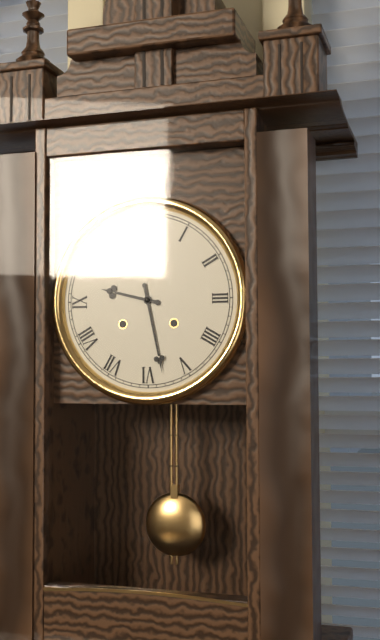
9:28
